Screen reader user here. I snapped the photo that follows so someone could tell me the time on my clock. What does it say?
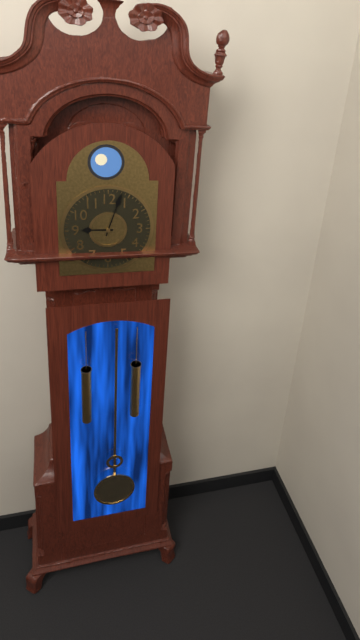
9:03
